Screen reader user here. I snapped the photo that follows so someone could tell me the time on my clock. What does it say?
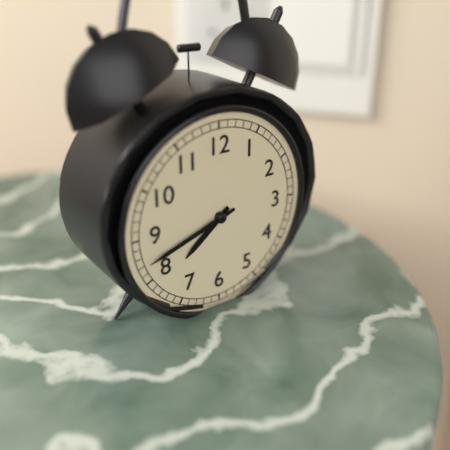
7:42
